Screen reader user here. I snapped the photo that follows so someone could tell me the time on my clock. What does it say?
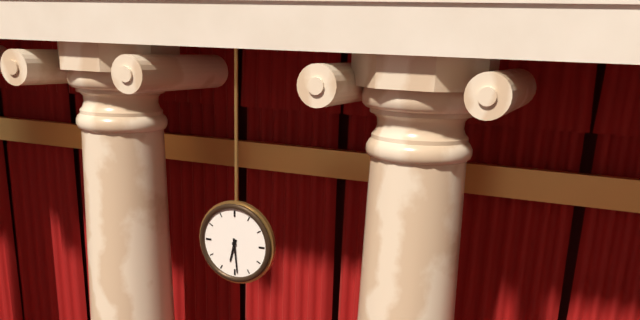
6:29
